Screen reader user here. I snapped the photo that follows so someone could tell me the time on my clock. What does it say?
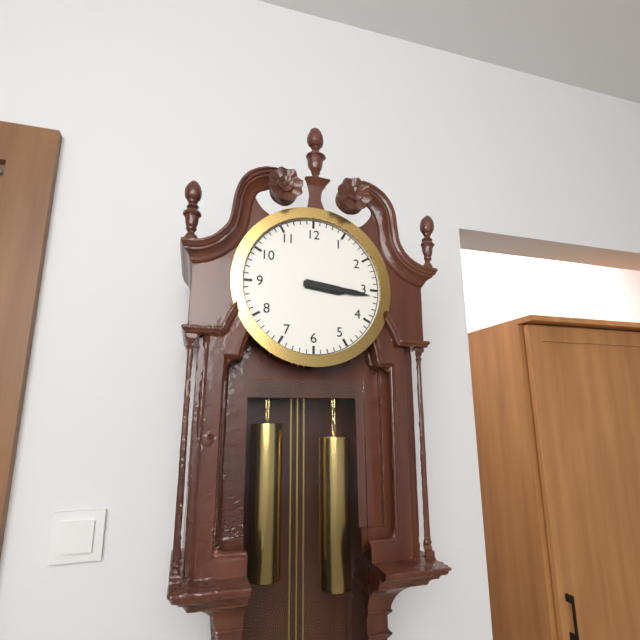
3:16
